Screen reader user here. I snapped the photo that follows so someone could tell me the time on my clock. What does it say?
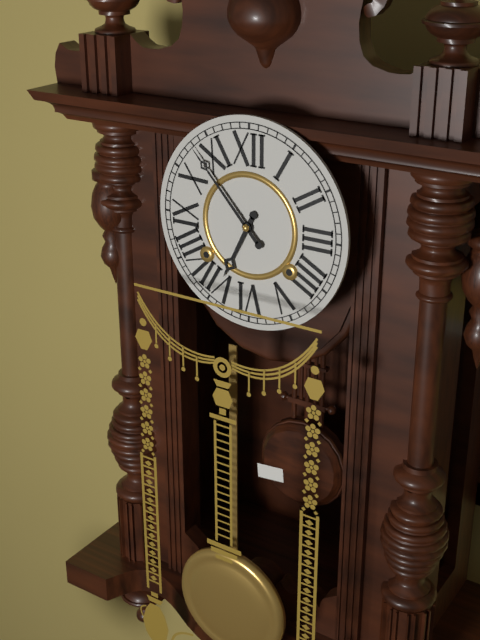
6:53
